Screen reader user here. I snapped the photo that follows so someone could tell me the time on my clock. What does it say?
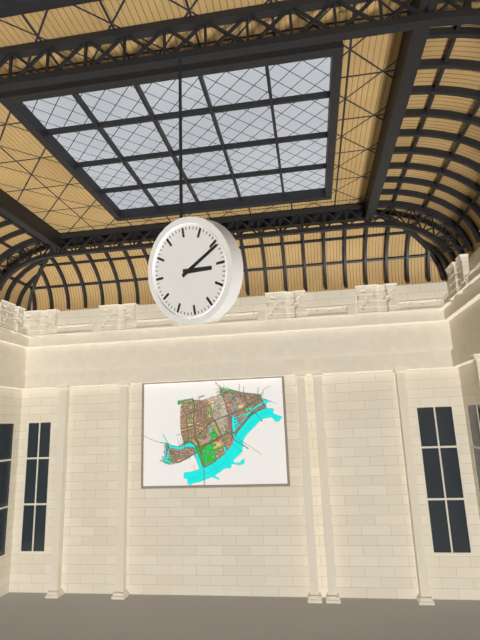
3:11
